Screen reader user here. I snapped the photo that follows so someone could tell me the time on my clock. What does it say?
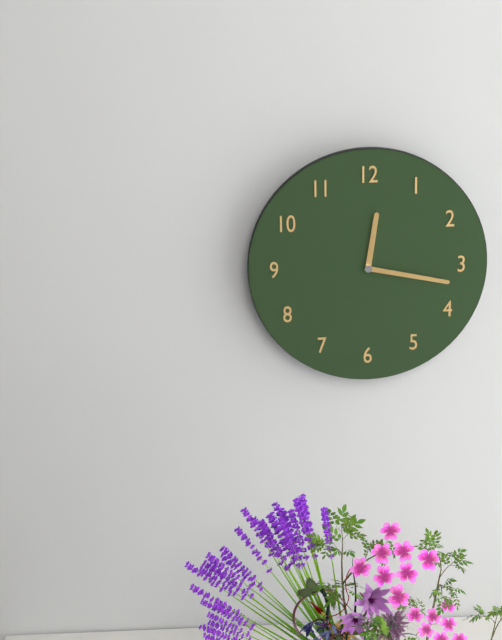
12:17
